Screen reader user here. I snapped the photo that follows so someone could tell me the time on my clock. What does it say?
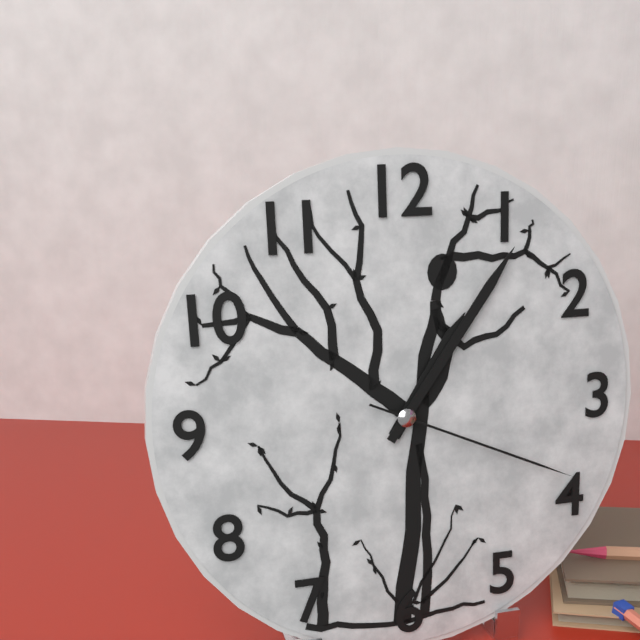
1:06:19
